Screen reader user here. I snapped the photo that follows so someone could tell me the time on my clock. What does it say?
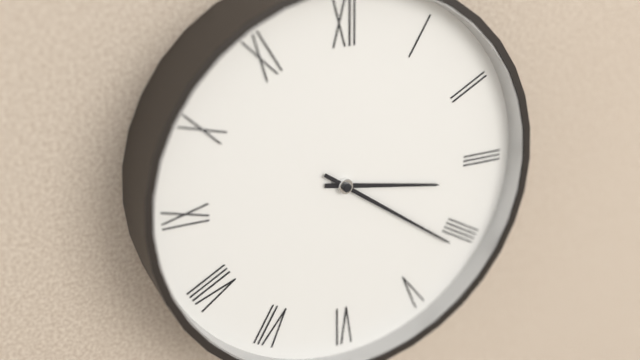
3:21
